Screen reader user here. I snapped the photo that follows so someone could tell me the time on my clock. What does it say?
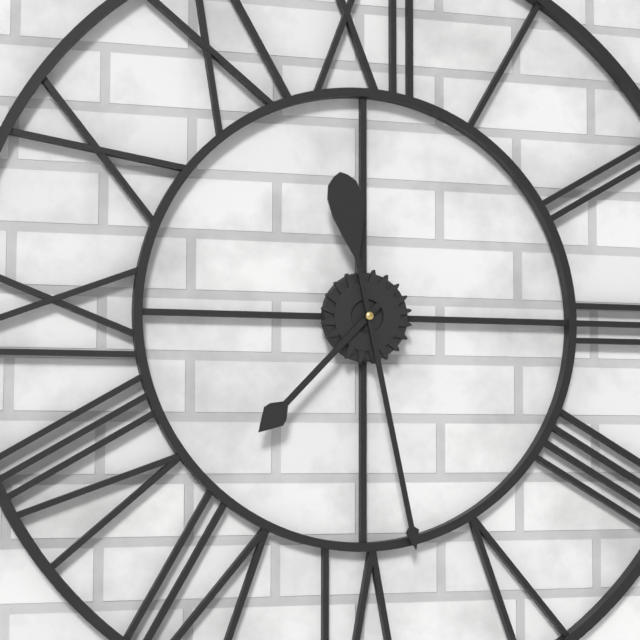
7:28
